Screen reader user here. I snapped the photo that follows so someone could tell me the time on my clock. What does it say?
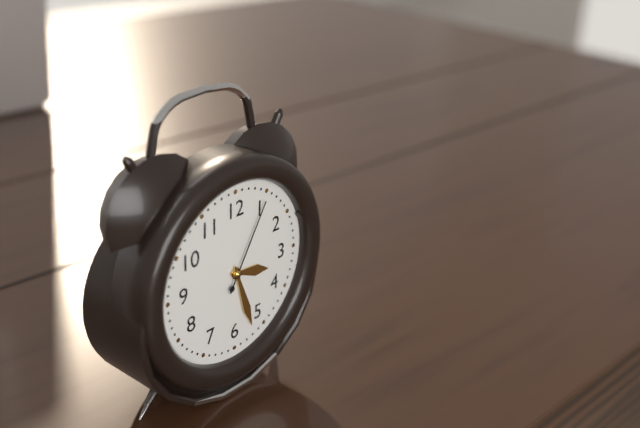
3:27:05
